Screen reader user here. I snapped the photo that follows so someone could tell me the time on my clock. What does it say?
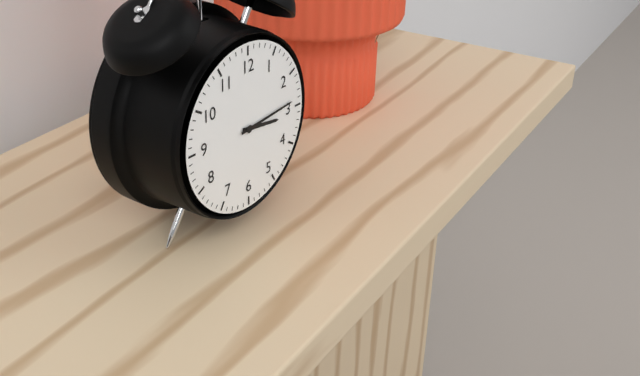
3:14
